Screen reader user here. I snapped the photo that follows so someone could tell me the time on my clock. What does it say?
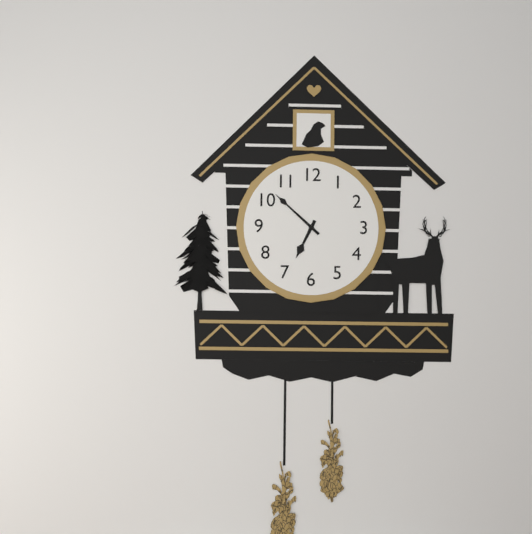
6:52
